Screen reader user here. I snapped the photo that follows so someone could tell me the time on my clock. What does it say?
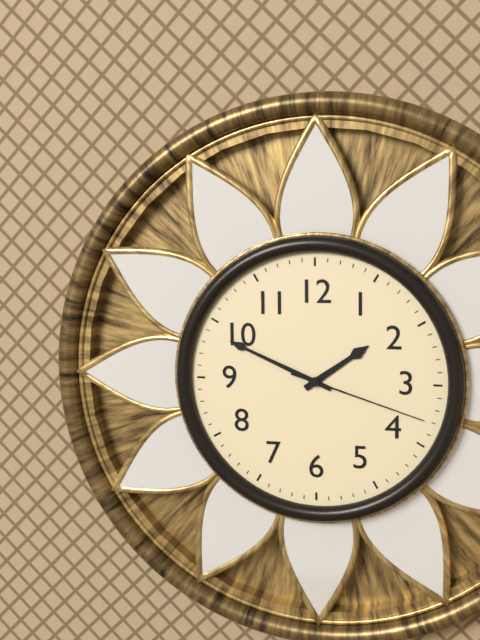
1:49:18
